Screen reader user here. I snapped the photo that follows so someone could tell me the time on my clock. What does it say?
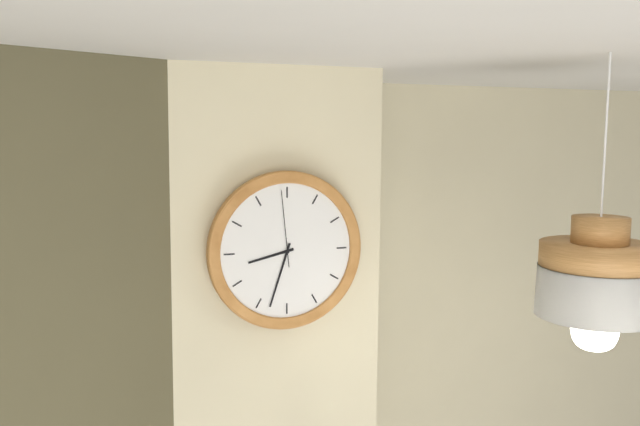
8:33:59
